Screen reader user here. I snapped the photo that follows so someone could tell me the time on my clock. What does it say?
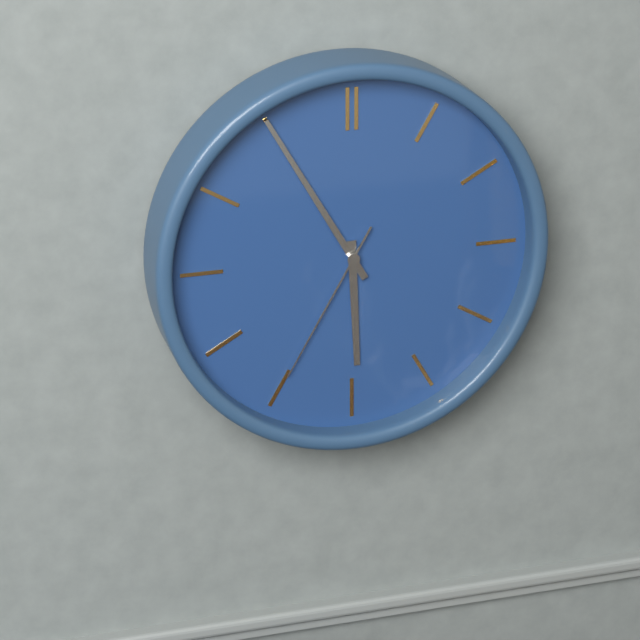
5:55:35
